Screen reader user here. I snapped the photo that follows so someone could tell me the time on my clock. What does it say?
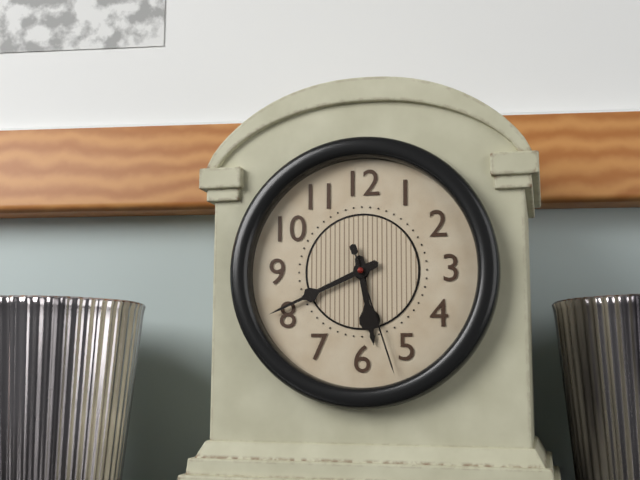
5:41:27
